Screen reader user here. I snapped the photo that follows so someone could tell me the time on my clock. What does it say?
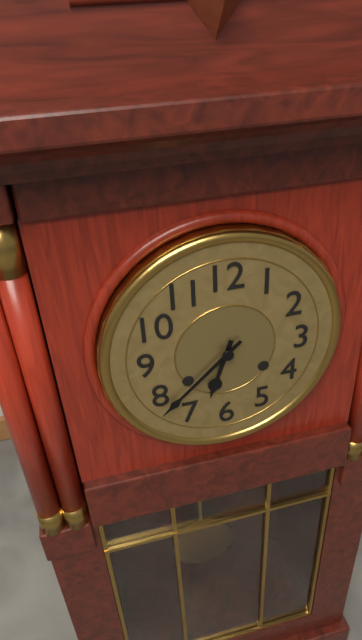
6:38
